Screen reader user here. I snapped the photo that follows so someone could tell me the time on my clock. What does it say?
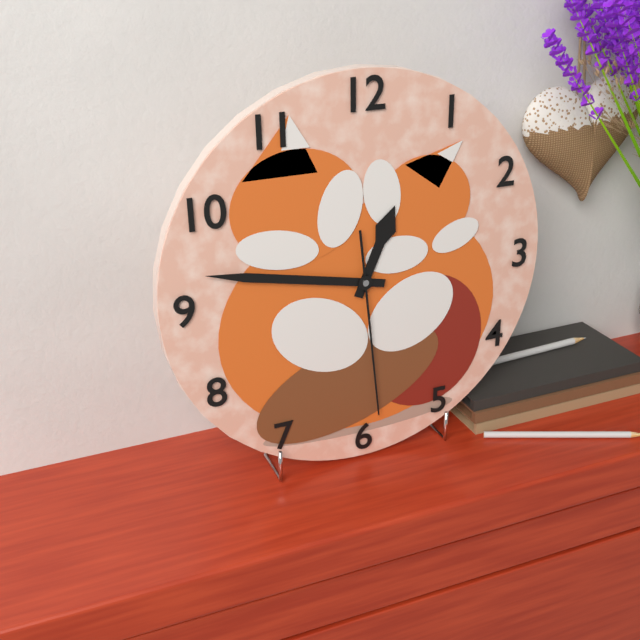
12:47:29
